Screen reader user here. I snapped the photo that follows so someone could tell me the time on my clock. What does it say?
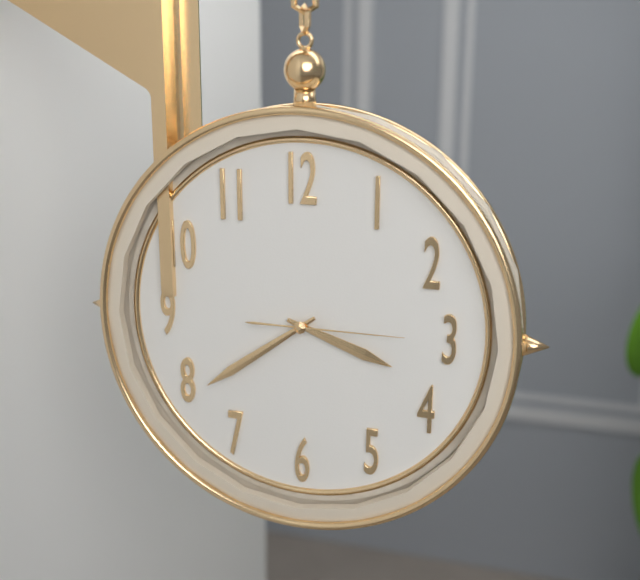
3:39:15
